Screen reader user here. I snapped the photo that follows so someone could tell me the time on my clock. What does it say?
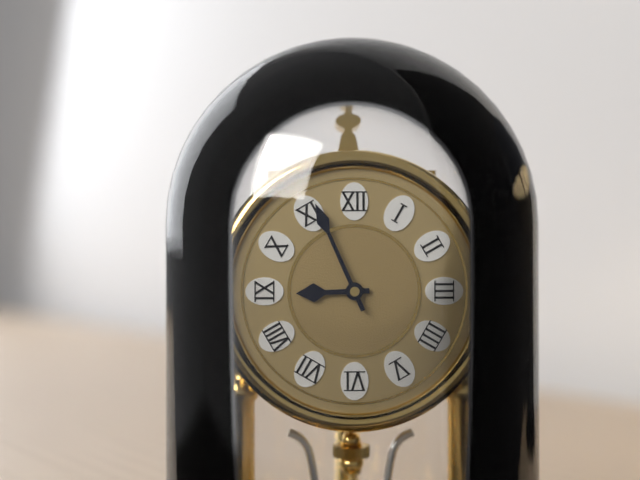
8:56
